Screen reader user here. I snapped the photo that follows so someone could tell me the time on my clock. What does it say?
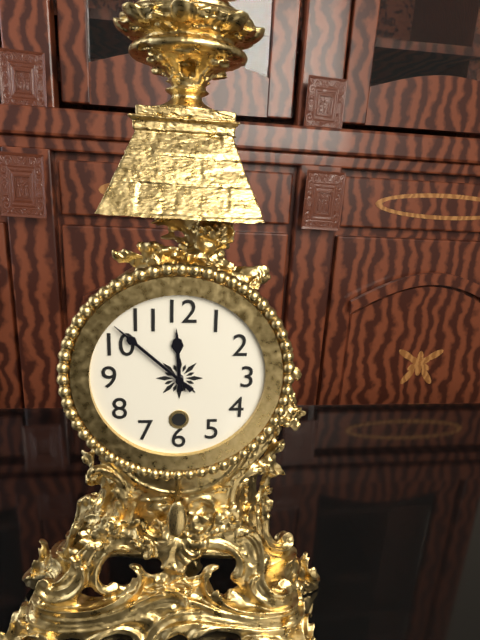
11:52
